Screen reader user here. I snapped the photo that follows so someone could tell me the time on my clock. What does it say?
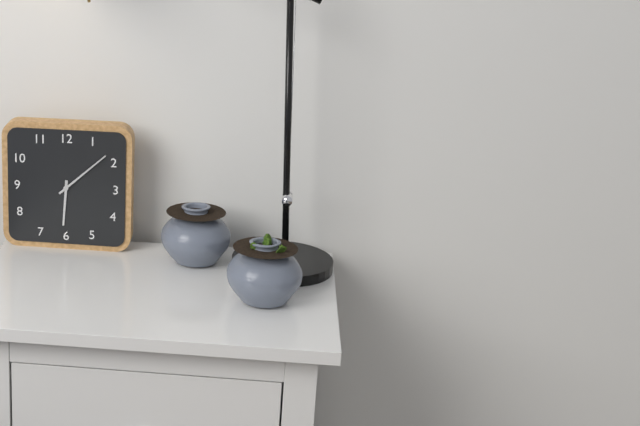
6:08
